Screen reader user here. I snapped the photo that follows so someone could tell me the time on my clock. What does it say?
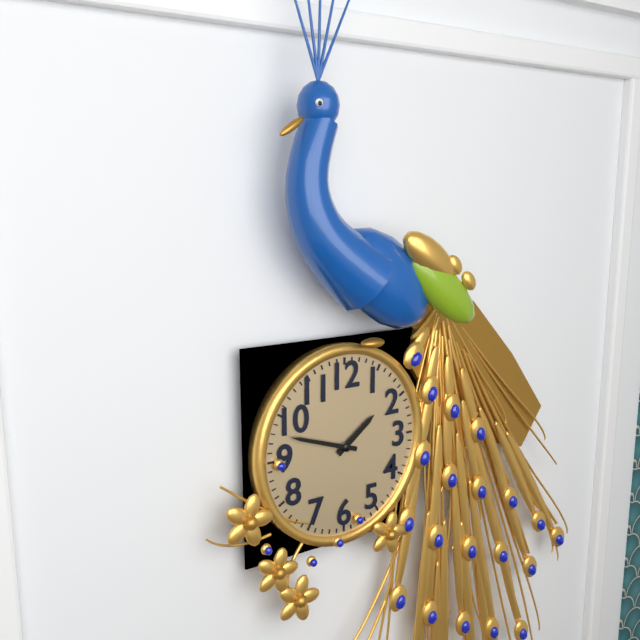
1:48
